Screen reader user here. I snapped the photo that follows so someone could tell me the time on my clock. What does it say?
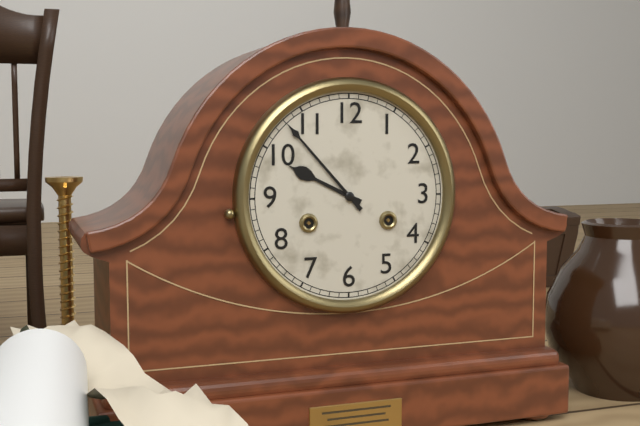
9:53
